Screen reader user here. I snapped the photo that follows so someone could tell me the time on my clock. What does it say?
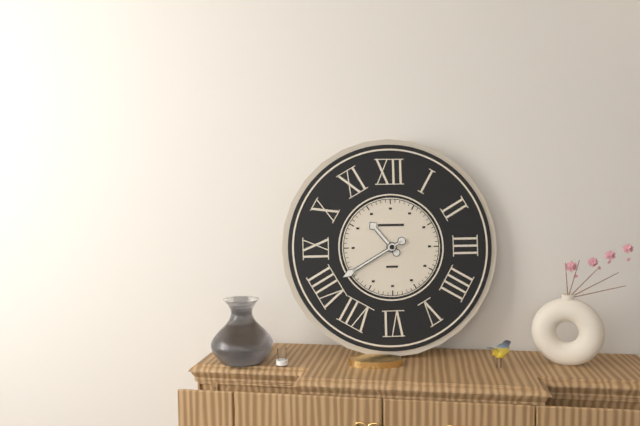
10:40
